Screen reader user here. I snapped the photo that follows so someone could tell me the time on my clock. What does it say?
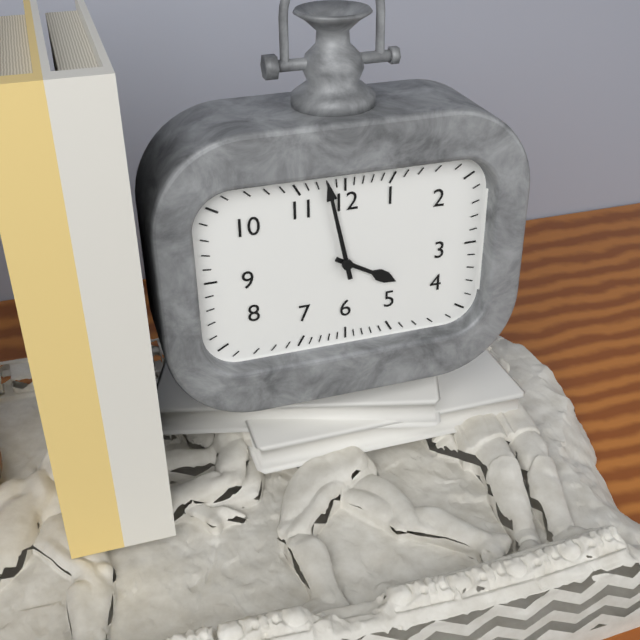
3:58
